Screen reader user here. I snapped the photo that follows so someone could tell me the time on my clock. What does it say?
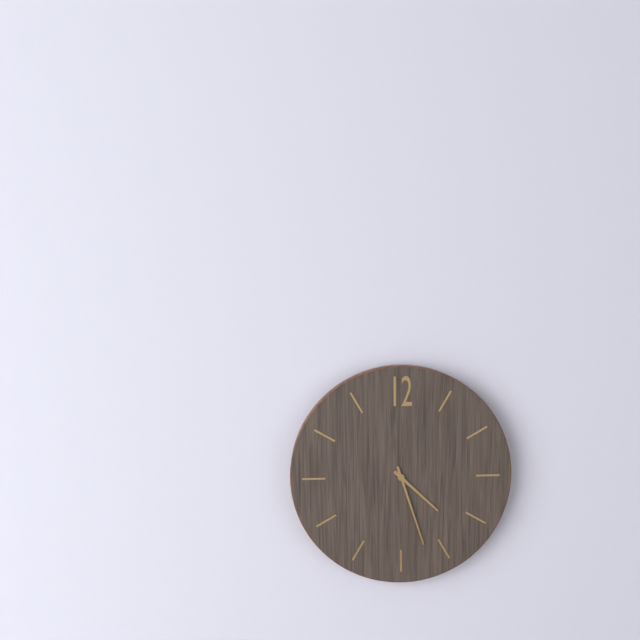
4:27
